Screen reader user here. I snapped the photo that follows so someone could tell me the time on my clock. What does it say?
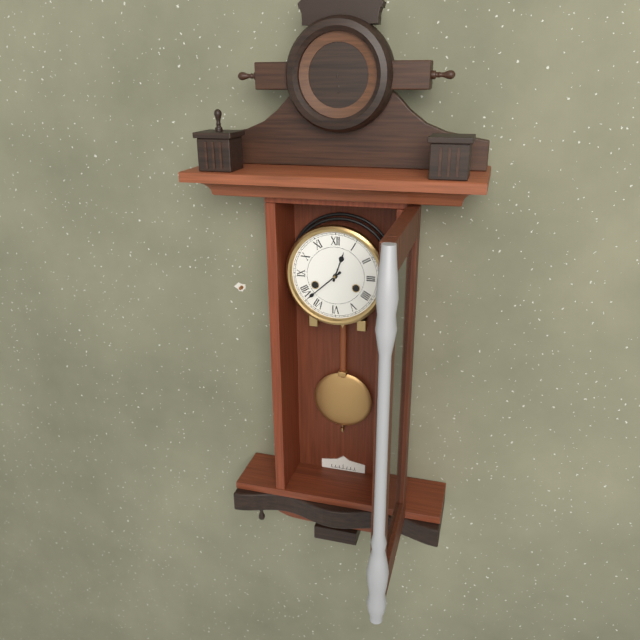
12:38
